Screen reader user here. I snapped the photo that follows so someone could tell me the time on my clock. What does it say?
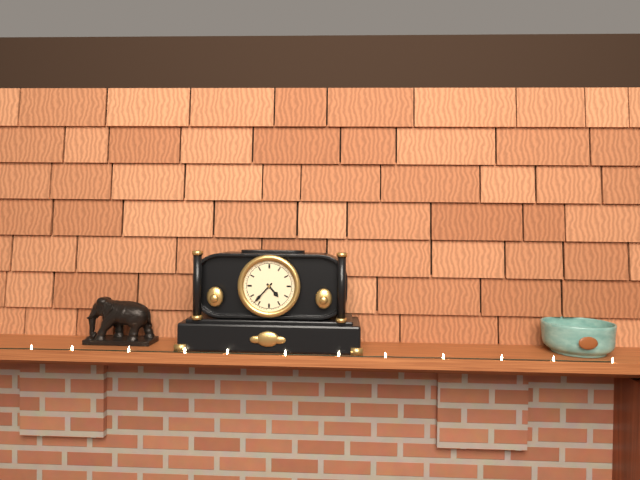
4:37
